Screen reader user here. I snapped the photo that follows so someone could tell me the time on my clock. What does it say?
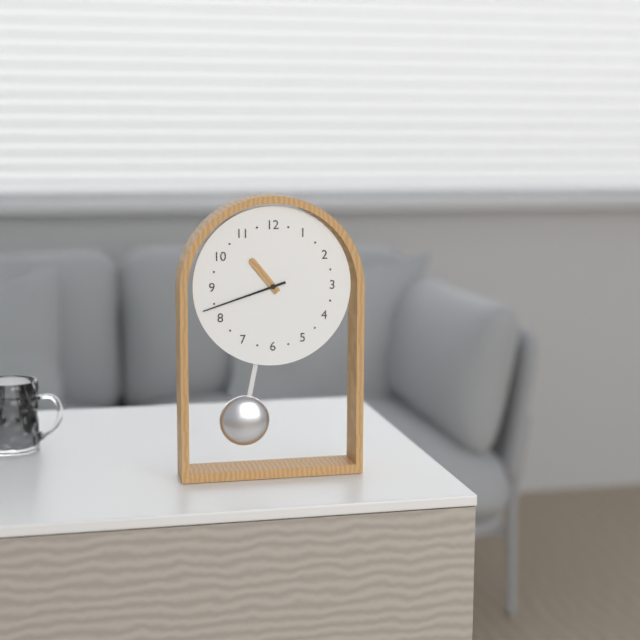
10:42
